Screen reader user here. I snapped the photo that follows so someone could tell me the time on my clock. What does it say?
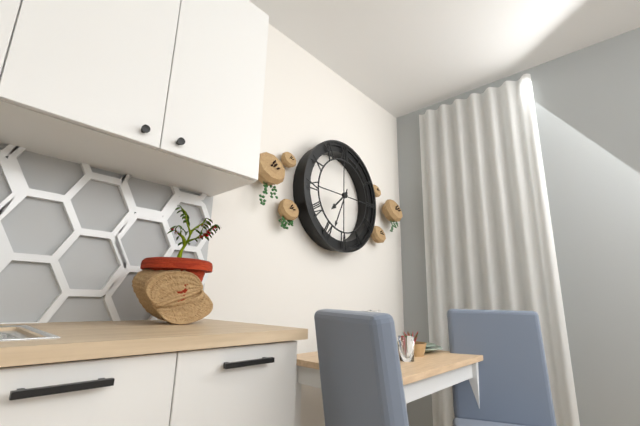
7:34
